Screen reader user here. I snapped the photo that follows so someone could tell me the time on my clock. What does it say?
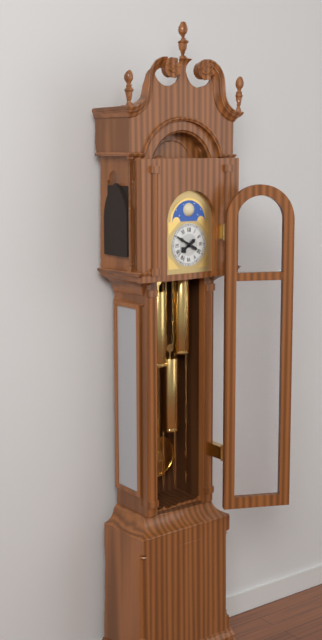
7:50
